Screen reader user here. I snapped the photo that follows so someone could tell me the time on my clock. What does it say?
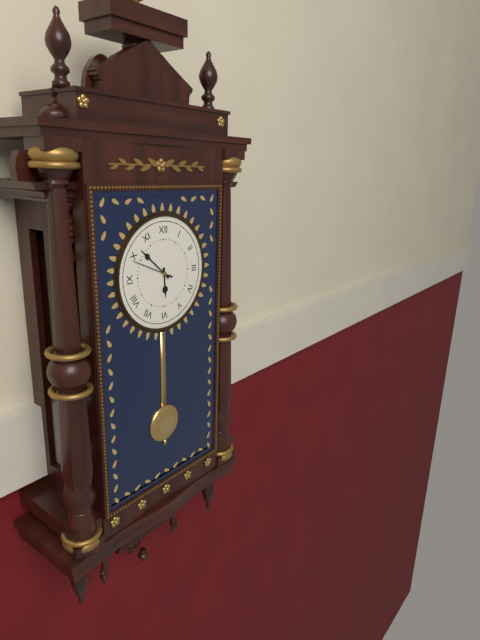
5:52
